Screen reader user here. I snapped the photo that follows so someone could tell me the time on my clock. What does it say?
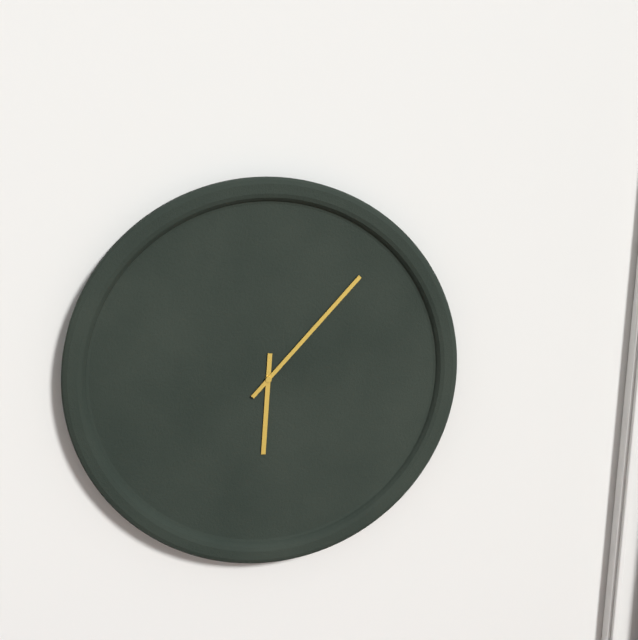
6:07
